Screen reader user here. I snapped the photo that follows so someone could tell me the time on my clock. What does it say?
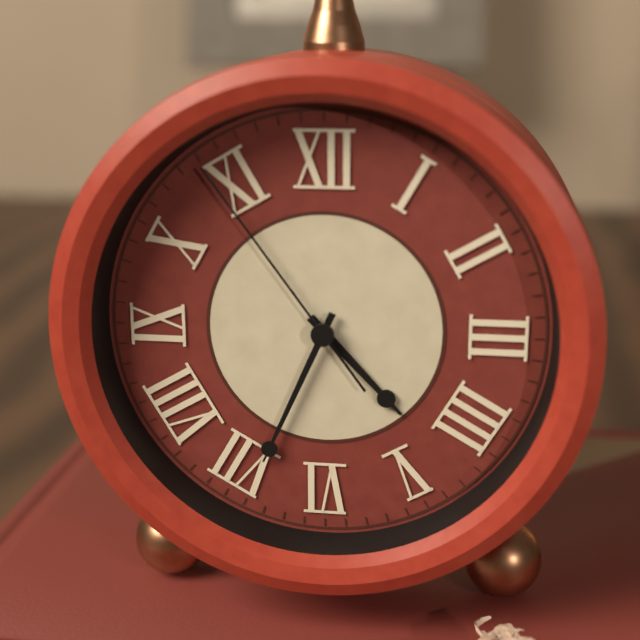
4:34:54
